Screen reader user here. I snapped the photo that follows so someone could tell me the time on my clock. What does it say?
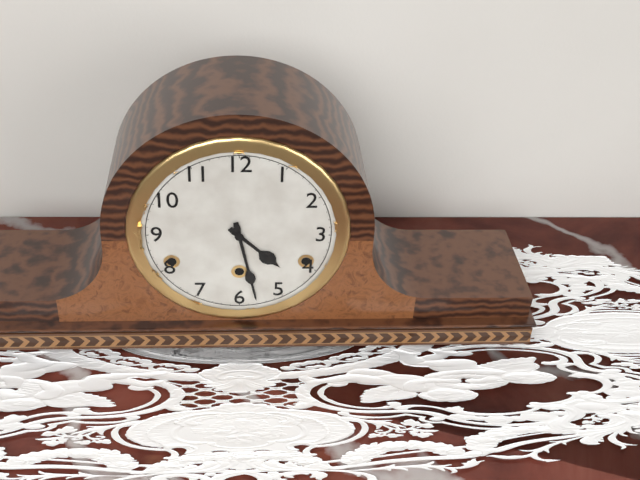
4:28
